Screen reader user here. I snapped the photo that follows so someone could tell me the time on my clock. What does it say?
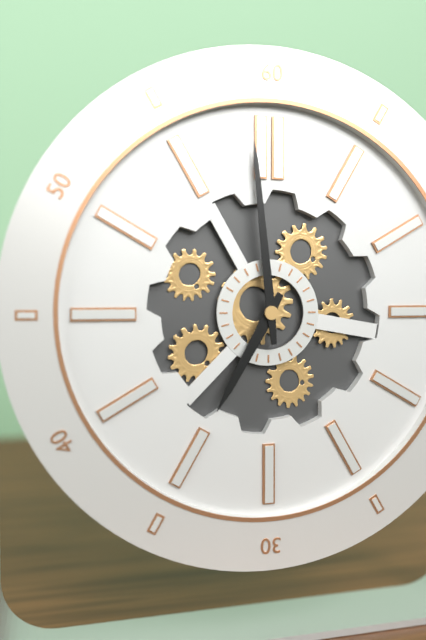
6:59
